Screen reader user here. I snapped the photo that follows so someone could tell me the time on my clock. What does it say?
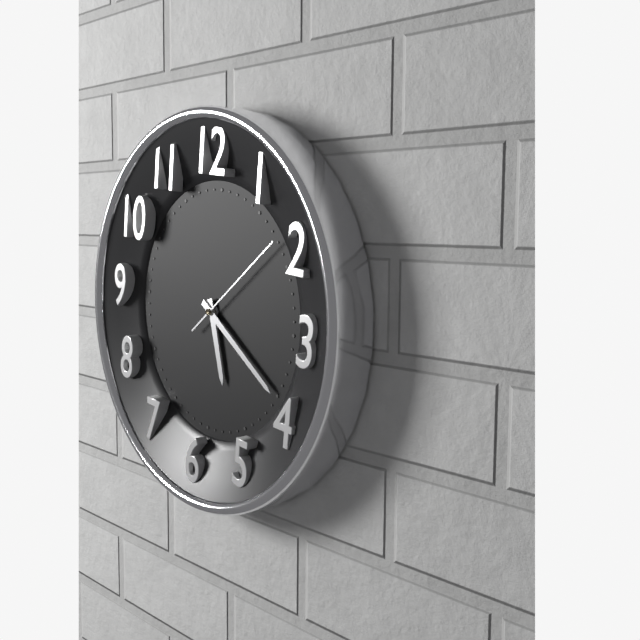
5:20:08
